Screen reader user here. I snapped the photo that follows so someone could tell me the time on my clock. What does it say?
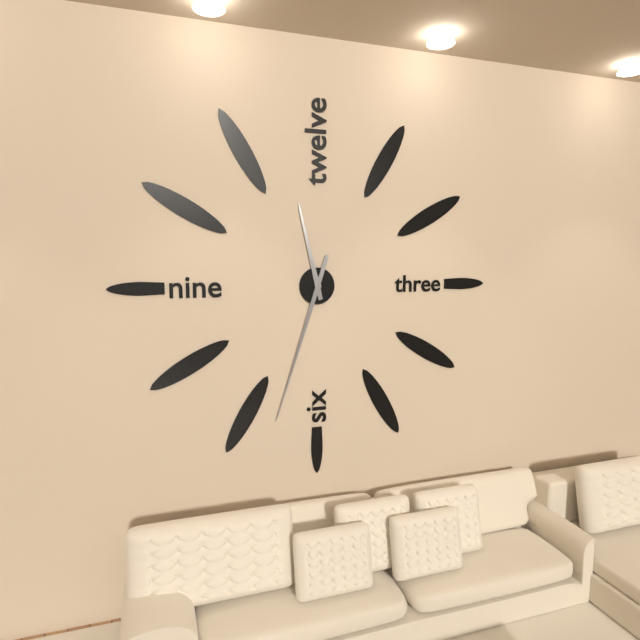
11:33
